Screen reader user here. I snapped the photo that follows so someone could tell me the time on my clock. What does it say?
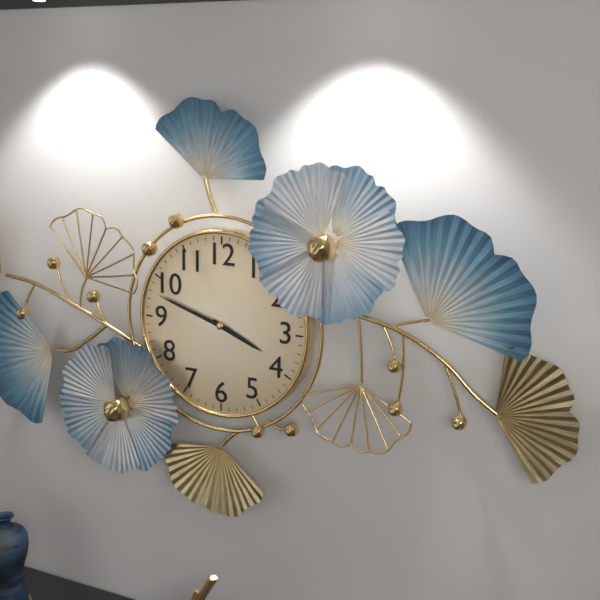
3:48
